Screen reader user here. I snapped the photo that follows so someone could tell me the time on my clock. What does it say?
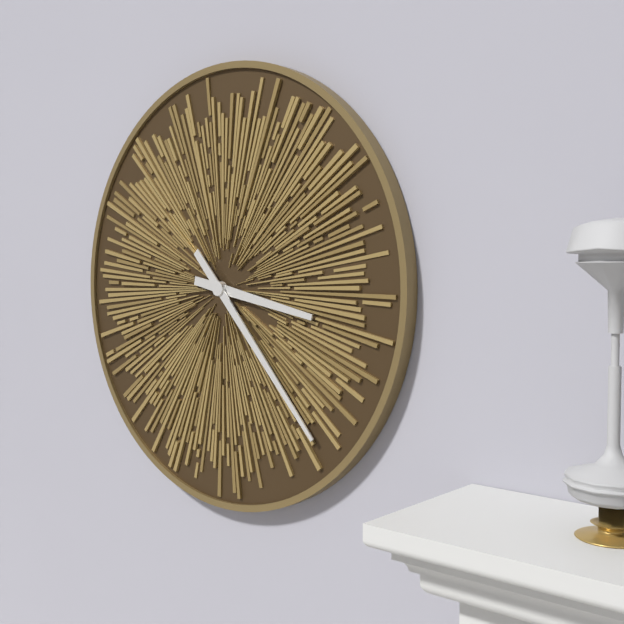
3:23
